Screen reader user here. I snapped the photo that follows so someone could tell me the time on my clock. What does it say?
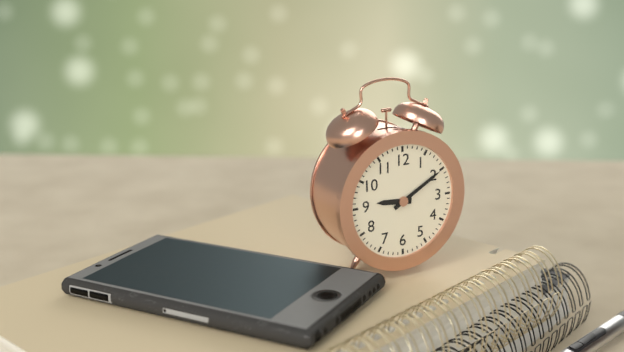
9:10
